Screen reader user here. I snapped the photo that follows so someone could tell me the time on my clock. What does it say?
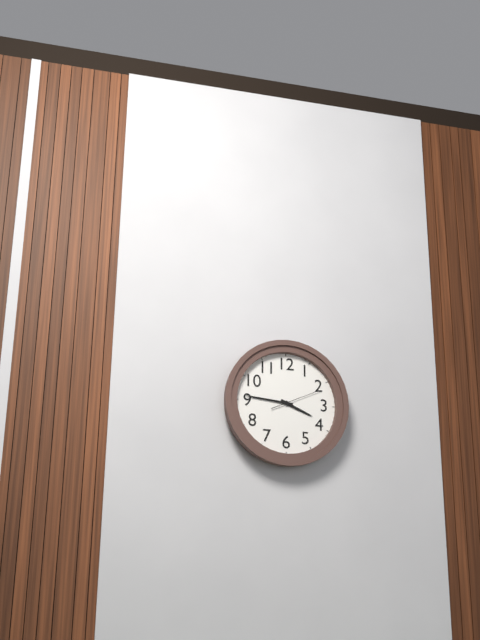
3:46
